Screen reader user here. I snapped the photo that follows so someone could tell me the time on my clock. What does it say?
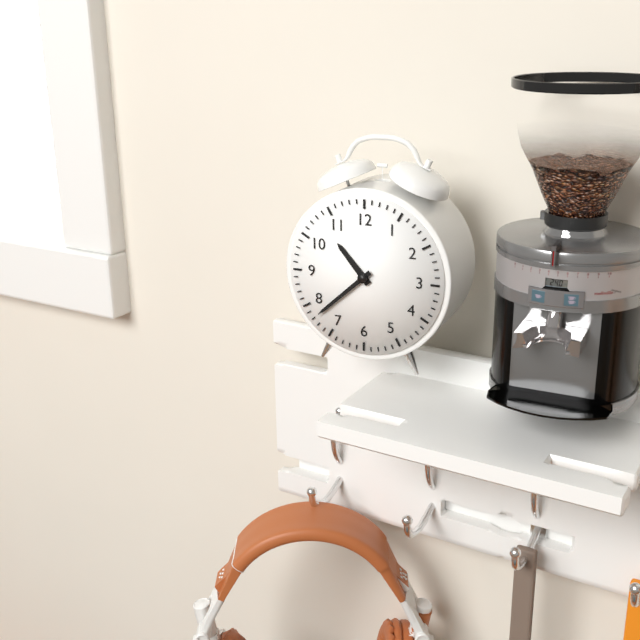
10:38
